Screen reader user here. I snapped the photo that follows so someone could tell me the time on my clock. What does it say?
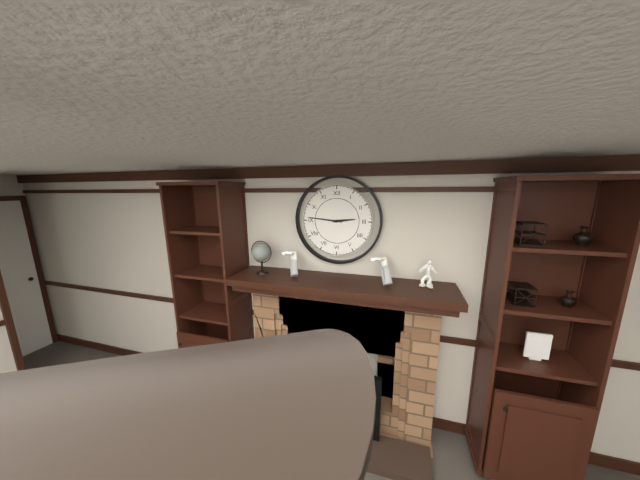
2:46
